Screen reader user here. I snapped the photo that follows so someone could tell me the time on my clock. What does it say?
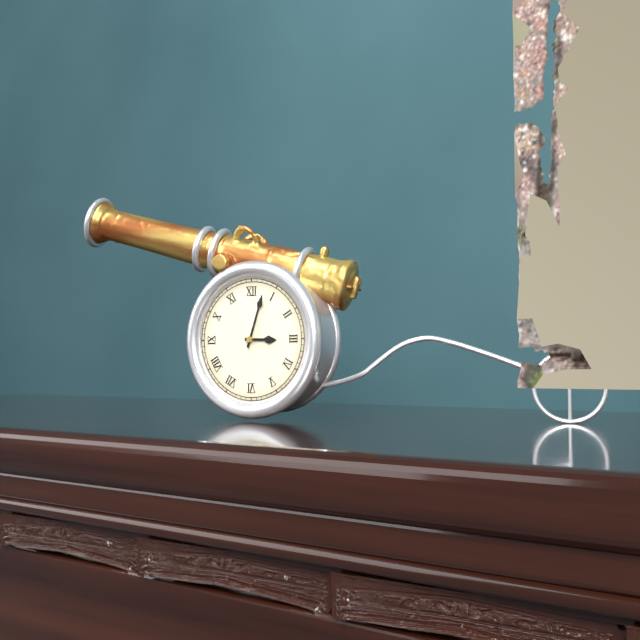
3:03
